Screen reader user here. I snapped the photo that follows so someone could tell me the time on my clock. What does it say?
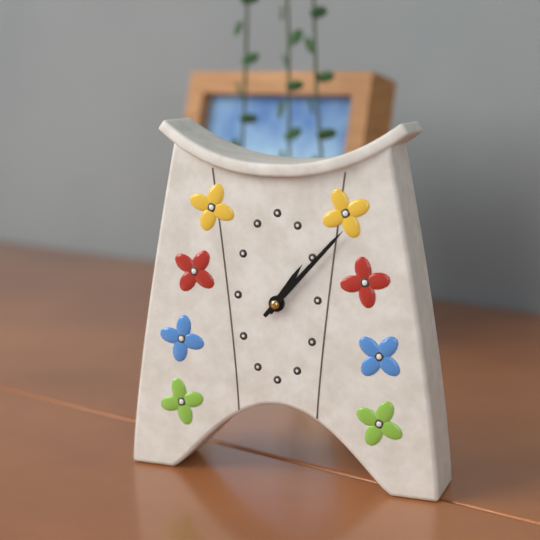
1:07
